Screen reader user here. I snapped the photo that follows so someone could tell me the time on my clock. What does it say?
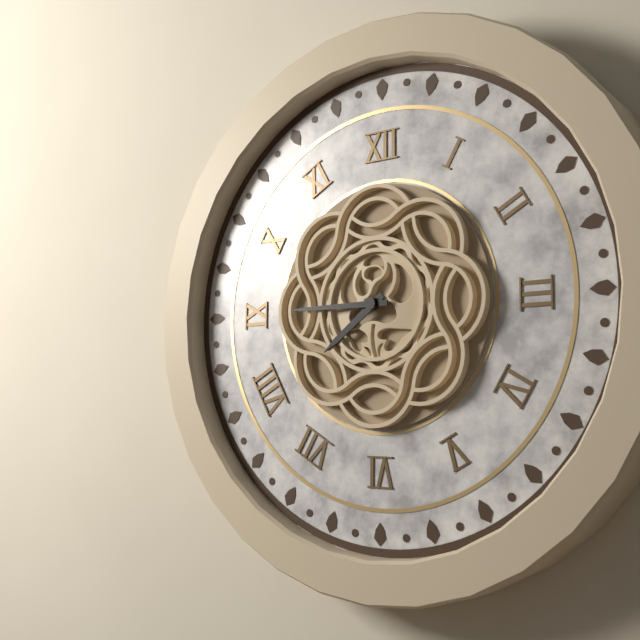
7:45
